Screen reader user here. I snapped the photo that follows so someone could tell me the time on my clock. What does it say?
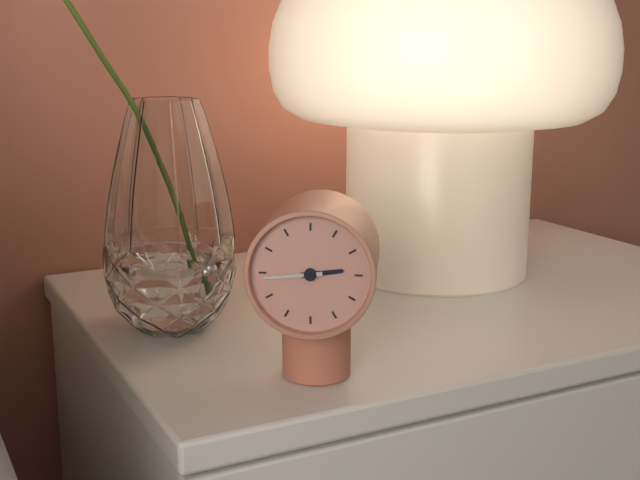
2:44
